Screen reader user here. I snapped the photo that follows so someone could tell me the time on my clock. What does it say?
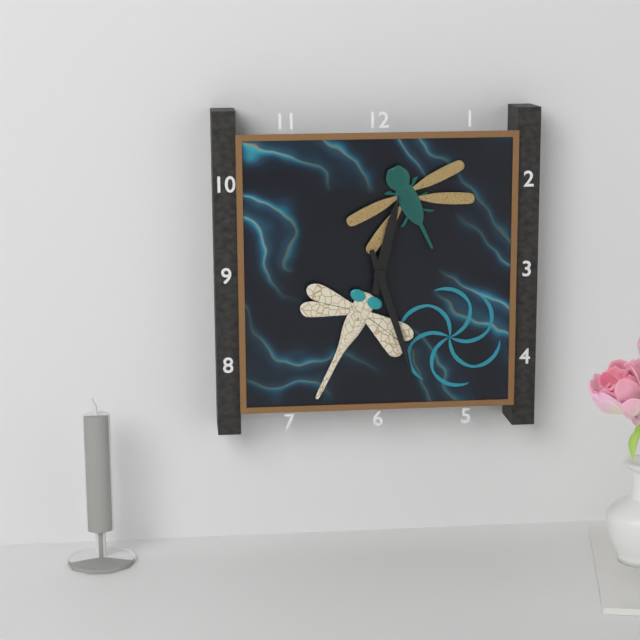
12:27
